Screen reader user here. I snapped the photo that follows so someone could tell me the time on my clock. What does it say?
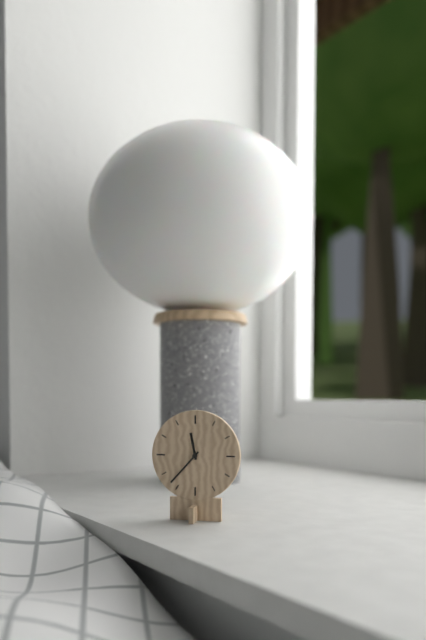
11:37
